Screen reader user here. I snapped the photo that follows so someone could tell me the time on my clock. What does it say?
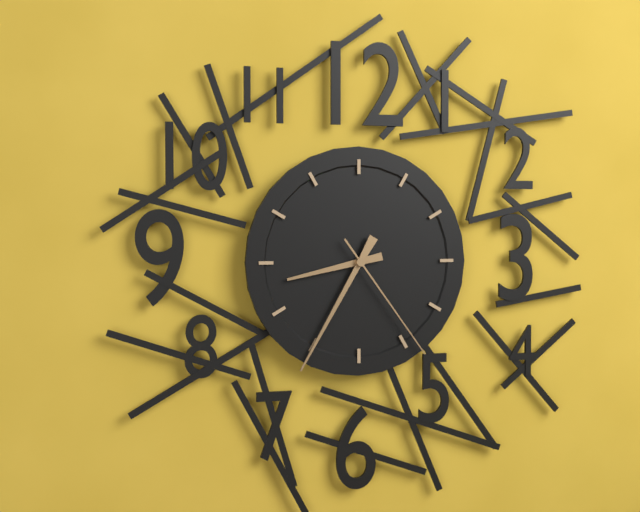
8:35:24
